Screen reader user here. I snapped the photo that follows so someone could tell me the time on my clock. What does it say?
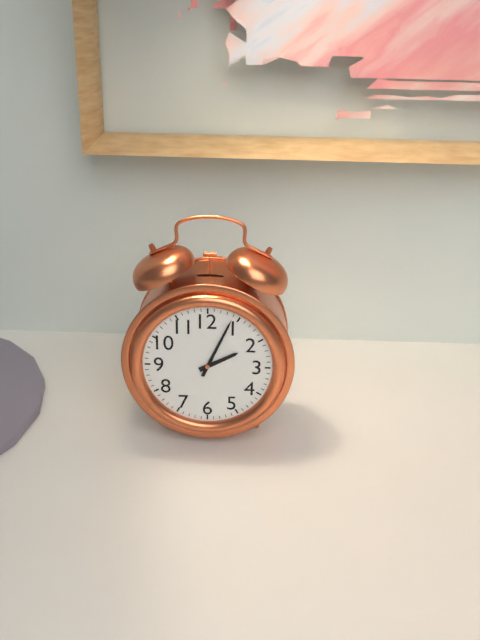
2:04
